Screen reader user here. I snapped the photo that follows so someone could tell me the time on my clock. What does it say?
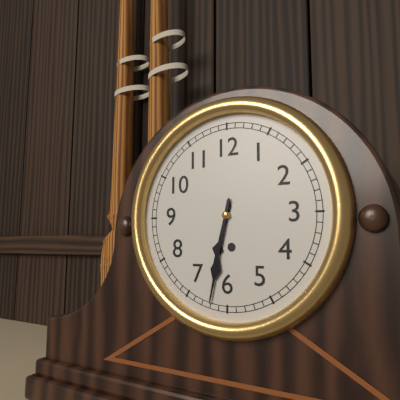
6:32
